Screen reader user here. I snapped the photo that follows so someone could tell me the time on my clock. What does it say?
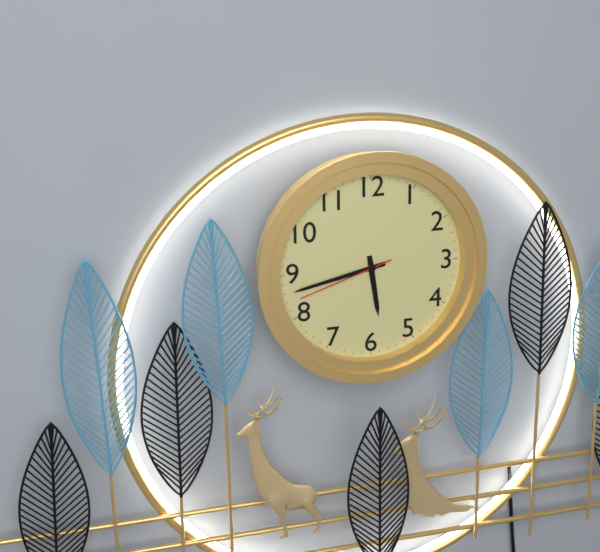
5:43:42
